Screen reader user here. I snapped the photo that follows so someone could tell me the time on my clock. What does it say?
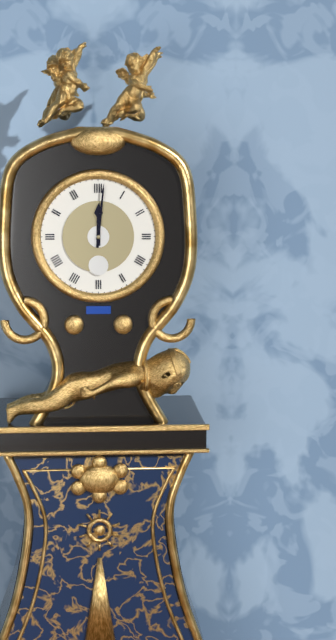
12:01
